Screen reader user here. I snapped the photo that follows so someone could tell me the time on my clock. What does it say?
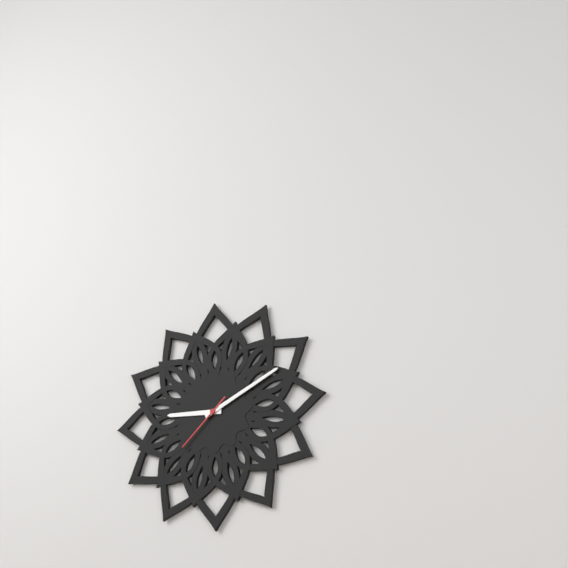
9:11:38
